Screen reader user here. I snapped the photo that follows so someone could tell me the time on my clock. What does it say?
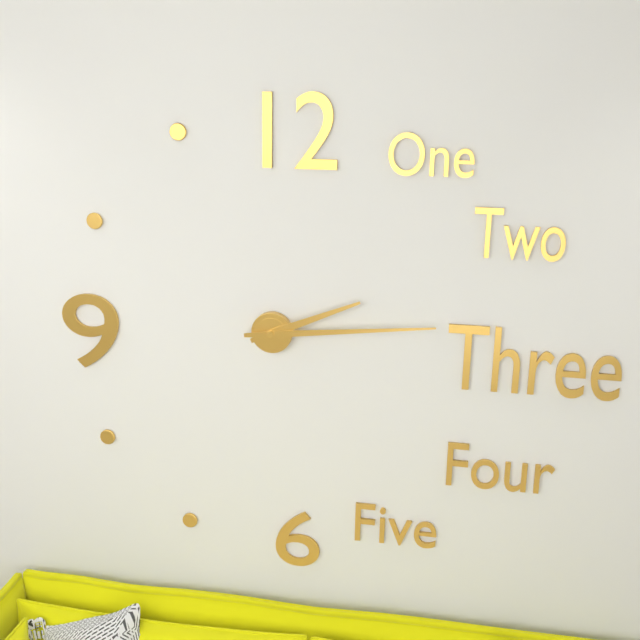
2:14
